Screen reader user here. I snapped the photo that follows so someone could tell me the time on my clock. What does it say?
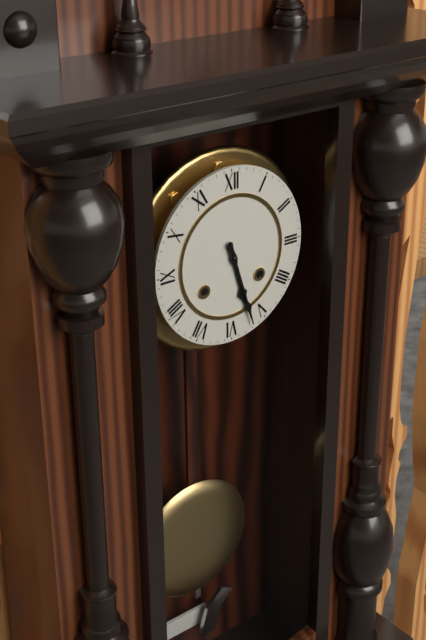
5:27
